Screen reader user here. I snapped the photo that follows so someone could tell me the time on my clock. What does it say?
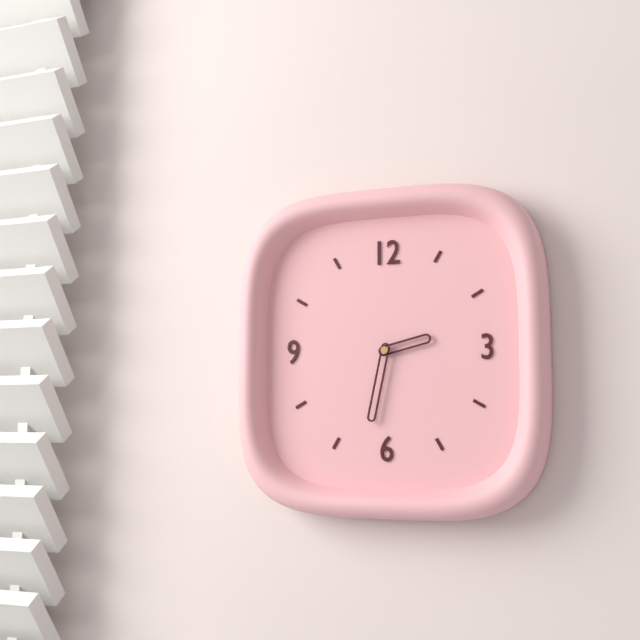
2:32
